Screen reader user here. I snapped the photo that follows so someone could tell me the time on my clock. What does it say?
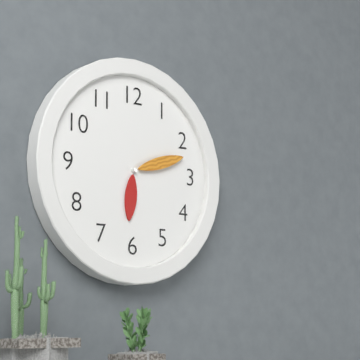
6:12
